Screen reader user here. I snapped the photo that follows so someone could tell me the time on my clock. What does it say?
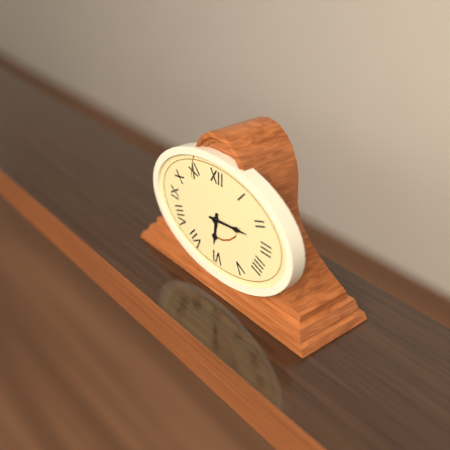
6:14
